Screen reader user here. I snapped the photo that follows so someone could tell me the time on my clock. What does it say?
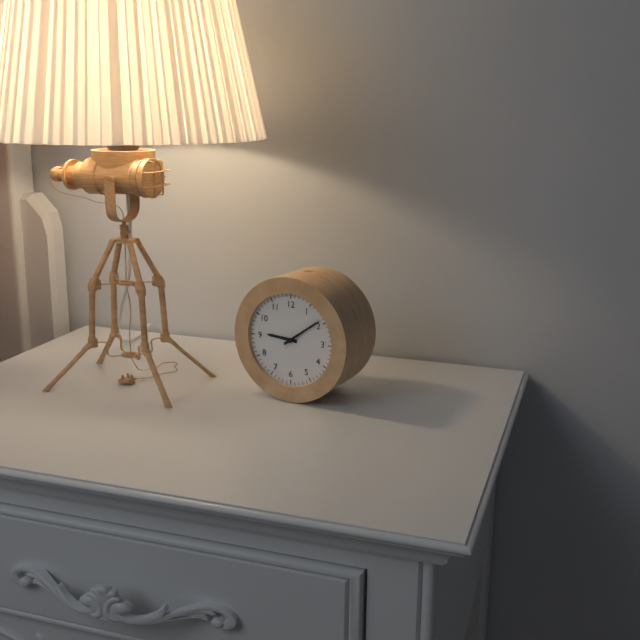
9:09
